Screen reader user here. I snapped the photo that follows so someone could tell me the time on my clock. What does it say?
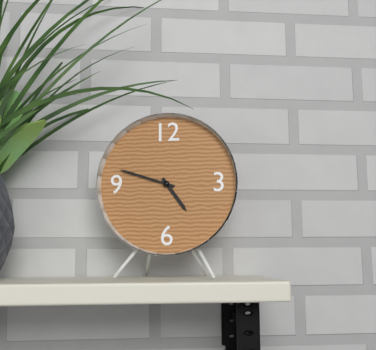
4:48
